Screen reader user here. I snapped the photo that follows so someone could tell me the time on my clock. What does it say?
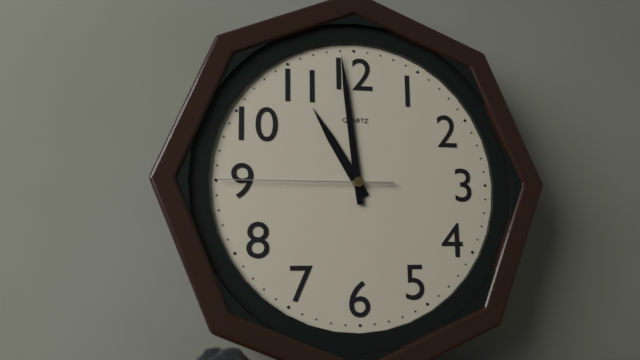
10:59:45
